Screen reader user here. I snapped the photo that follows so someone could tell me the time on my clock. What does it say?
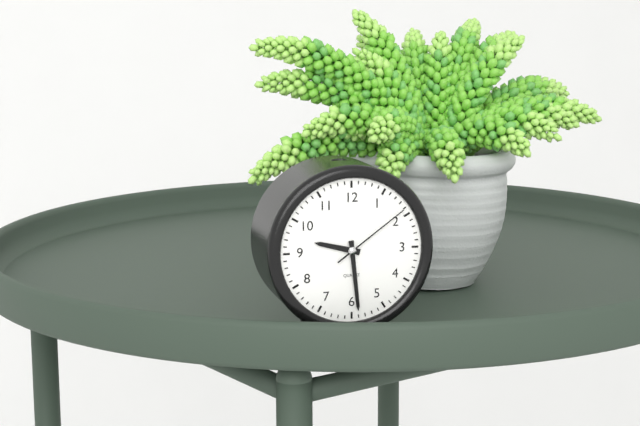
9:29:09
